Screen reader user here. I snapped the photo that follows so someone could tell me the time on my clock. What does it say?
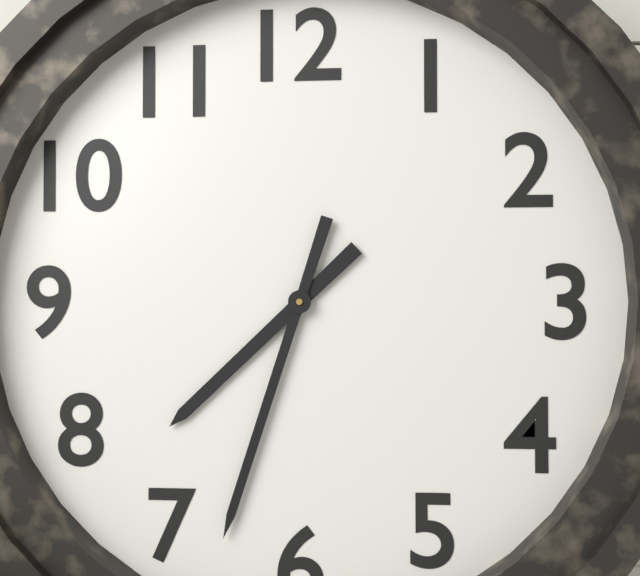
7:33
